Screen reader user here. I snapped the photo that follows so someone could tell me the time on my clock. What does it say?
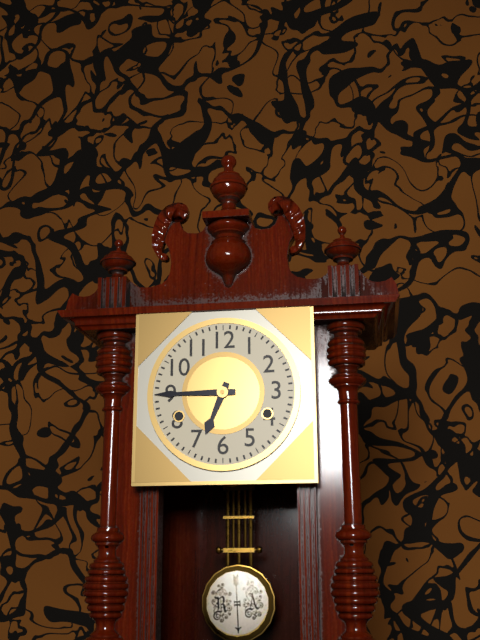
6:45
